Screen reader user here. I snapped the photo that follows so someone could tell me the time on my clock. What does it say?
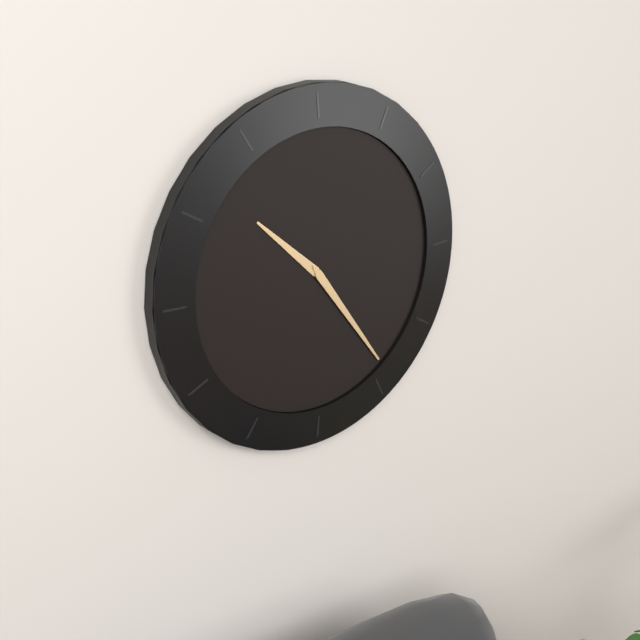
10:24
